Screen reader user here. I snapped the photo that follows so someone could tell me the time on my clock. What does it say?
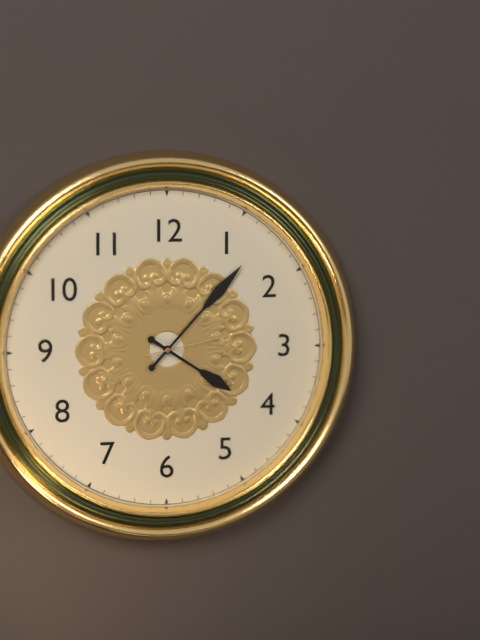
4:07:13
